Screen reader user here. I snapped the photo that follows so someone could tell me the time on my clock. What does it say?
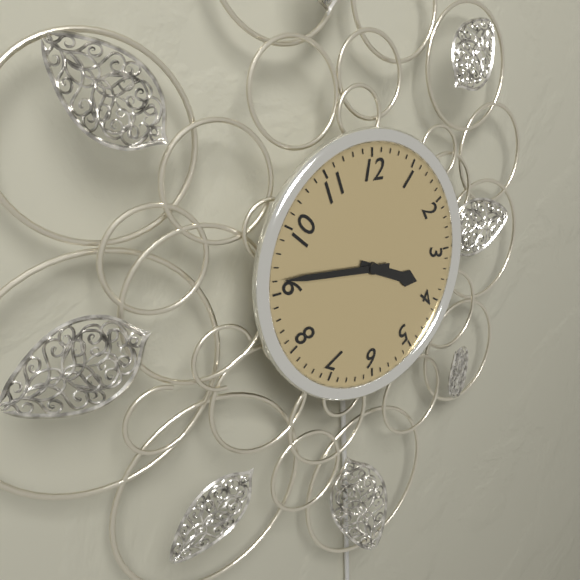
3:46
